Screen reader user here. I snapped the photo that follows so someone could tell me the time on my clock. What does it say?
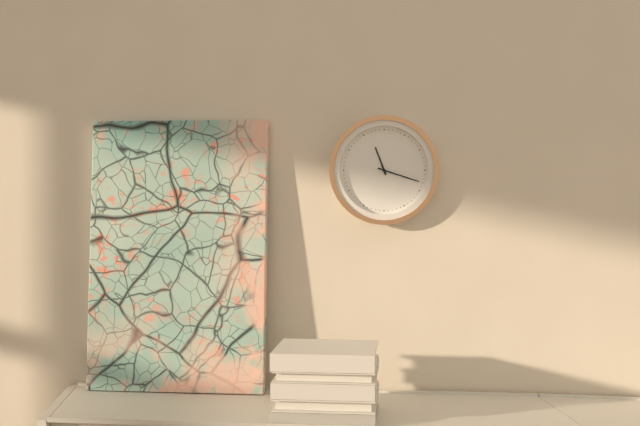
11:18
